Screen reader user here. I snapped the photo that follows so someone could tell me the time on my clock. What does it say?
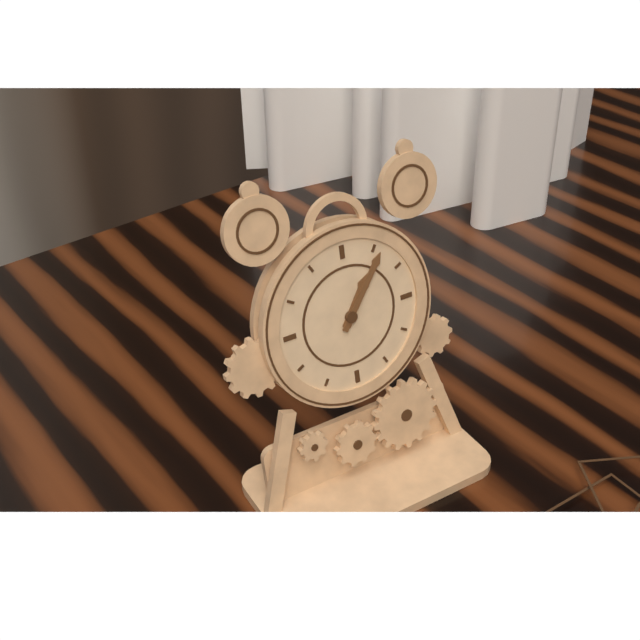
1:06
